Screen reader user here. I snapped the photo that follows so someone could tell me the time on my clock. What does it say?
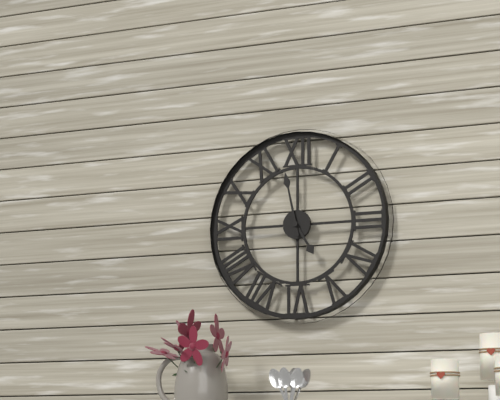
4:58
